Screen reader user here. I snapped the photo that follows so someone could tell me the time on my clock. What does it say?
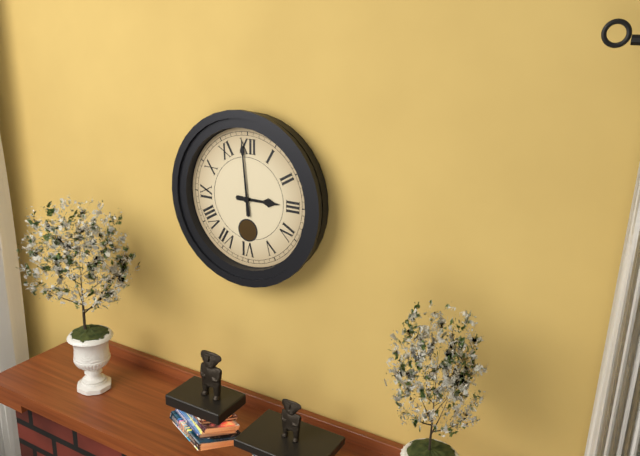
2:59
